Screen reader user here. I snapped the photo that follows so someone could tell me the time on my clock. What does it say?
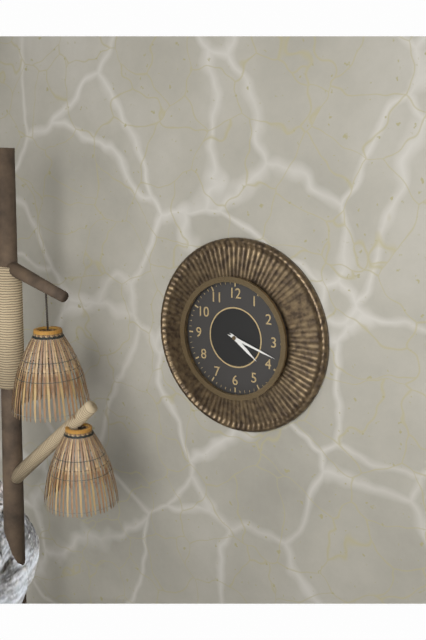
4:18
